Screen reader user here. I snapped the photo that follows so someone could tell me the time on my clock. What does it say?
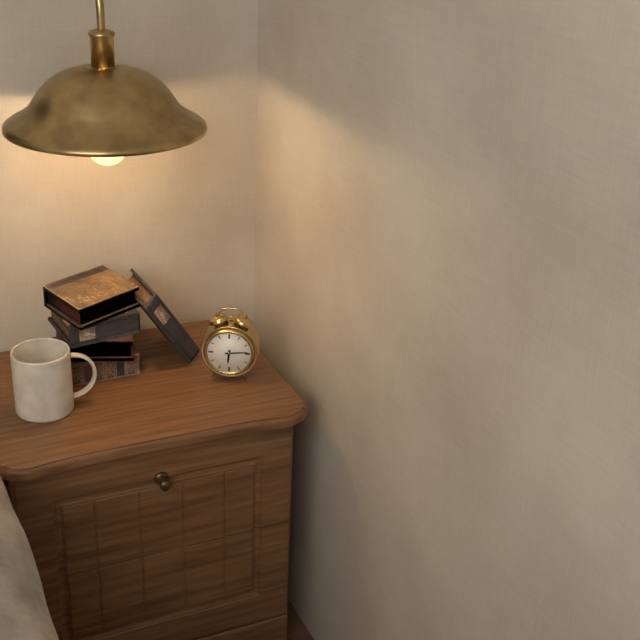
6:14
